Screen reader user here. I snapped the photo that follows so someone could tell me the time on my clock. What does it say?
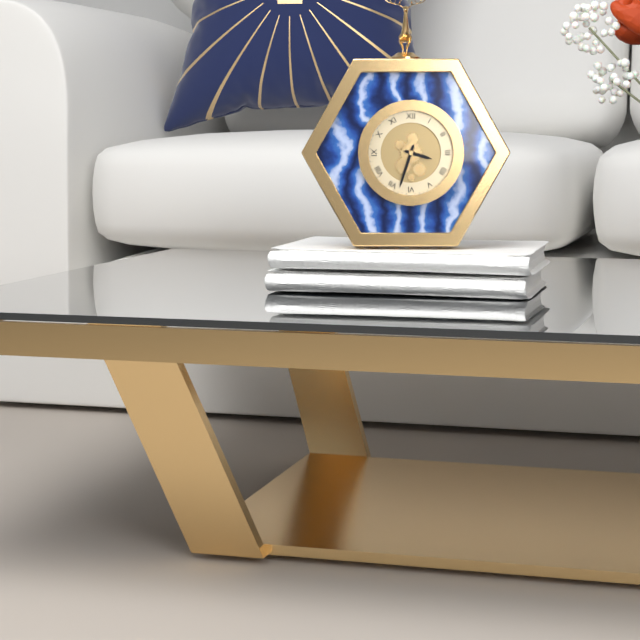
3:33
